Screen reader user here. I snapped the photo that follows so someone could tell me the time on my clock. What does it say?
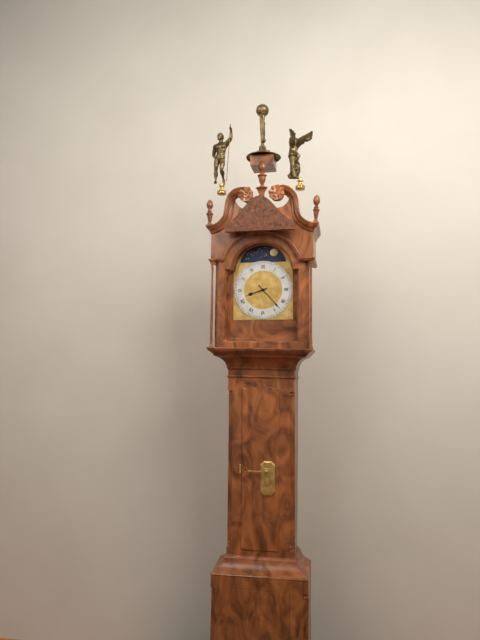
8:23
